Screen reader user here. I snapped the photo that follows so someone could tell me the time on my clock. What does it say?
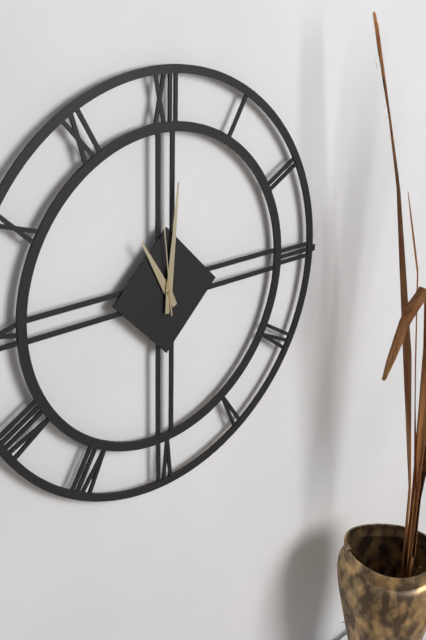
11:01:59
